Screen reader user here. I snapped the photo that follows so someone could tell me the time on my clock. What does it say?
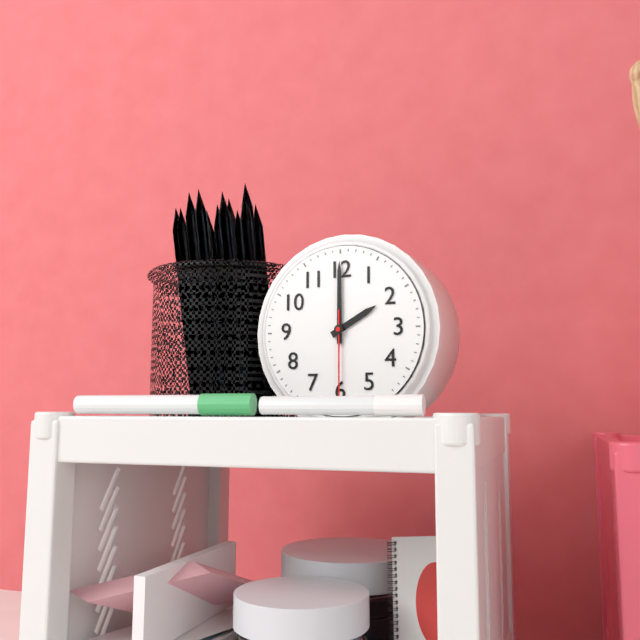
2:00:30
